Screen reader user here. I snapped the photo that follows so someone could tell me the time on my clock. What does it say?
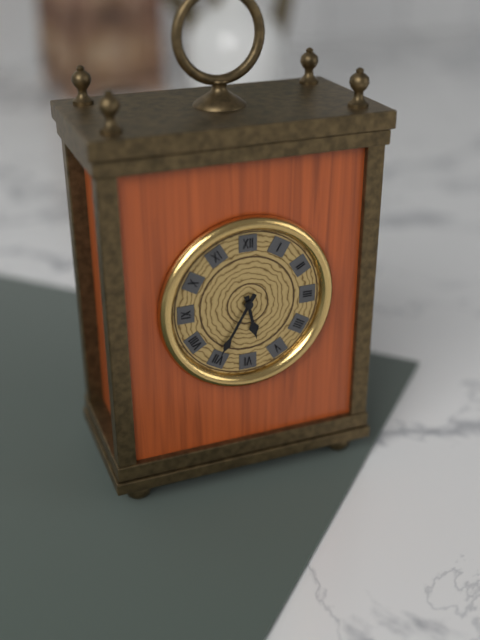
5:35
